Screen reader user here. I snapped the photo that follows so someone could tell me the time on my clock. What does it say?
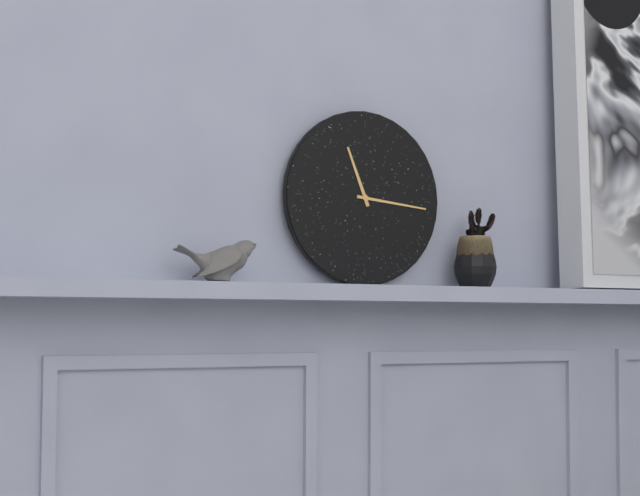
11:16
